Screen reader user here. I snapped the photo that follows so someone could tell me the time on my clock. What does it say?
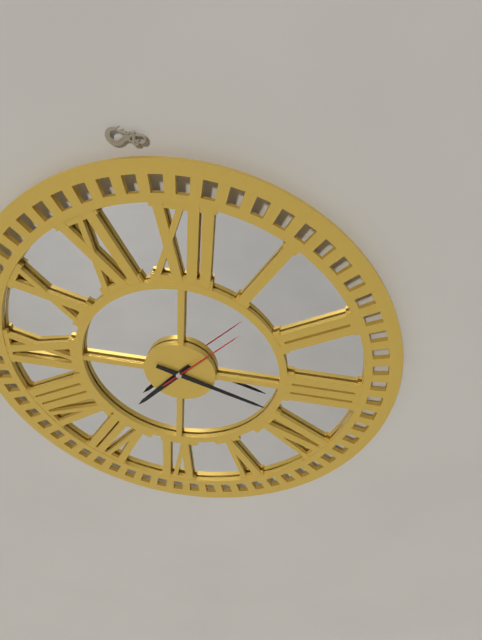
7:18:07
